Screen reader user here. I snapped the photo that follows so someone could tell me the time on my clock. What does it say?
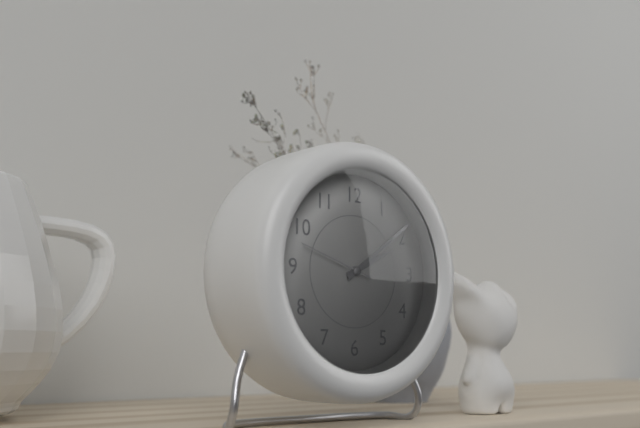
2:09:48
